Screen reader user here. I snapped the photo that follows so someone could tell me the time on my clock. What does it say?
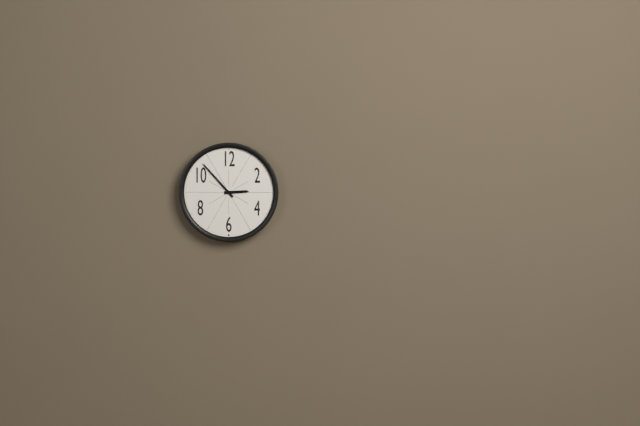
2:53
